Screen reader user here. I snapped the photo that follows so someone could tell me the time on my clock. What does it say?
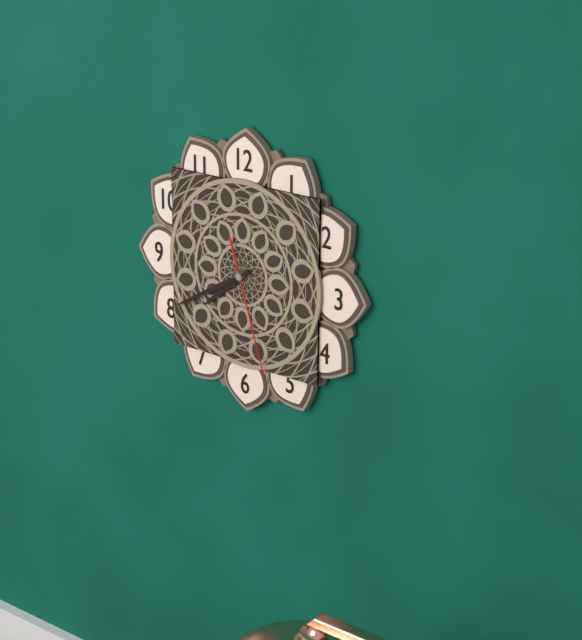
7:40:27
